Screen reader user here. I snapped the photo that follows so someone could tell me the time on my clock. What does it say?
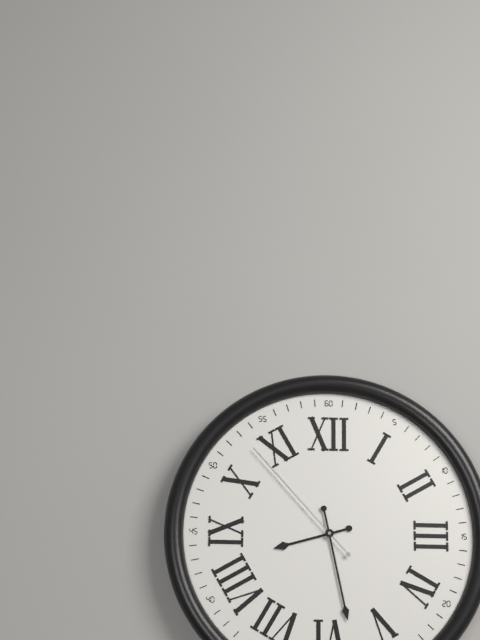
8:28:53
